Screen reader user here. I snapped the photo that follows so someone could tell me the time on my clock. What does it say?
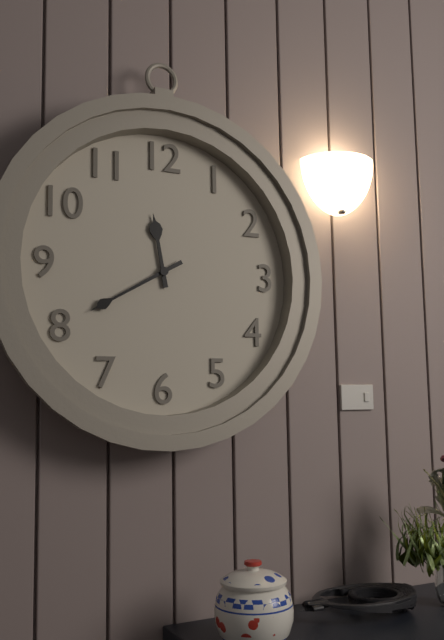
11:40
